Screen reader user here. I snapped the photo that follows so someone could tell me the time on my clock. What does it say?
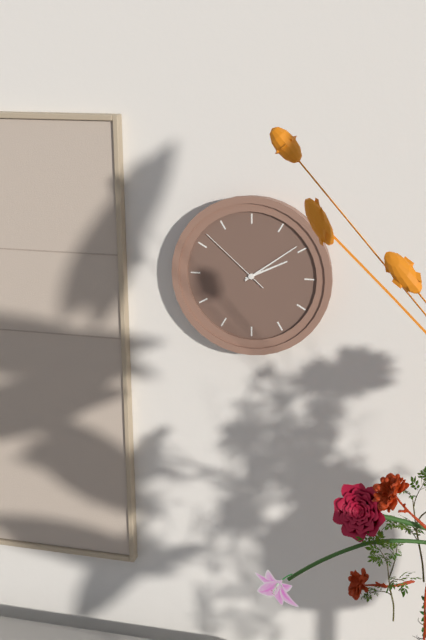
2:09:52
